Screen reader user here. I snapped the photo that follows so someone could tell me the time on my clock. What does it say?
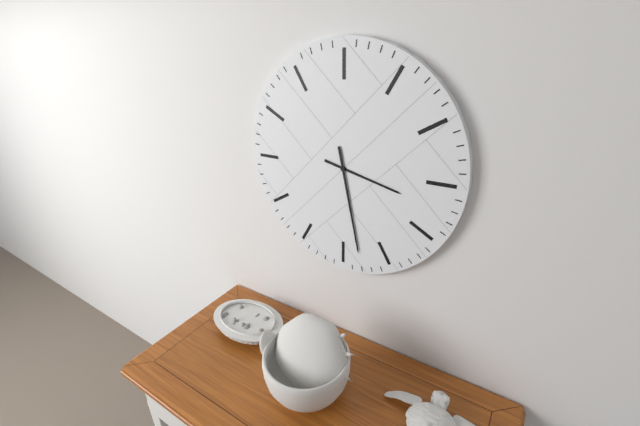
3:28
